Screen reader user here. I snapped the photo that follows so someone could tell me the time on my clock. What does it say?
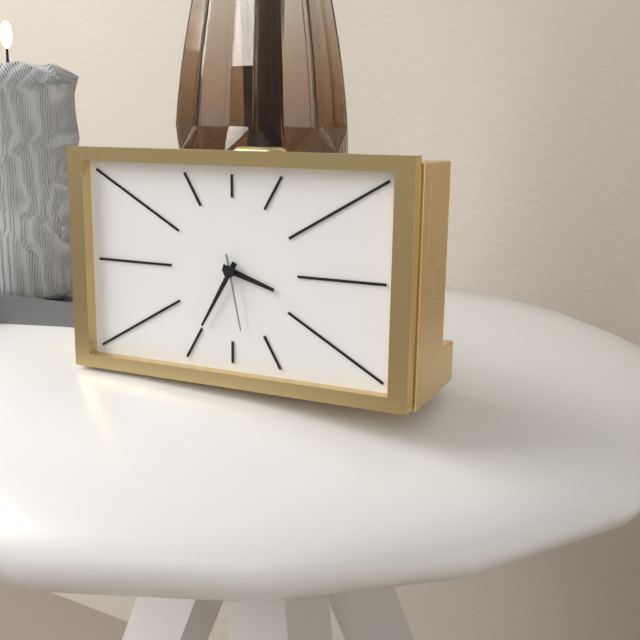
3:35:28
